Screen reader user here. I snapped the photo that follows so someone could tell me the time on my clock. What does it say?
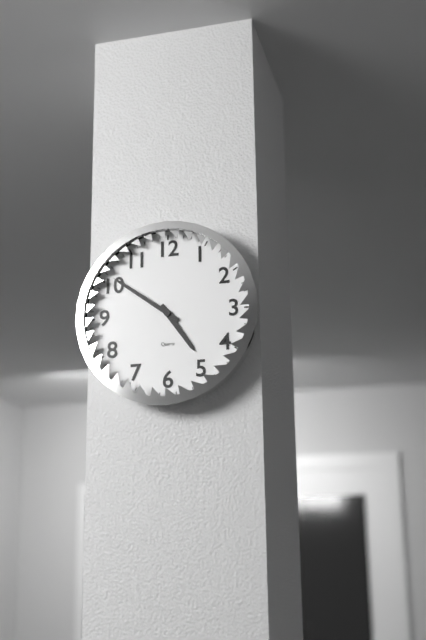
4:51
